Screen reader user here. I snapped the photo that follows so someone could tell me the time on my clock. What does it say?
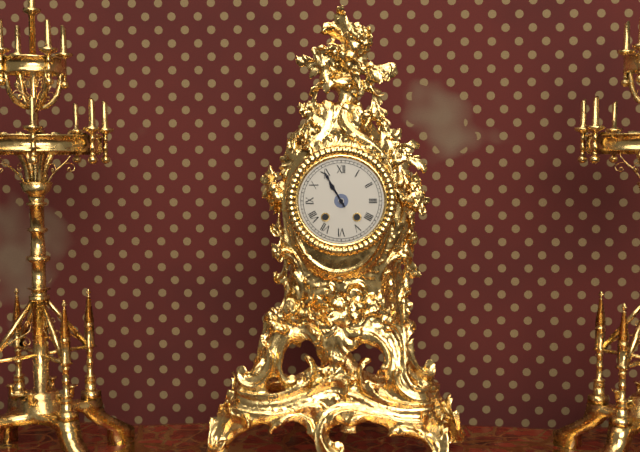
10:55
